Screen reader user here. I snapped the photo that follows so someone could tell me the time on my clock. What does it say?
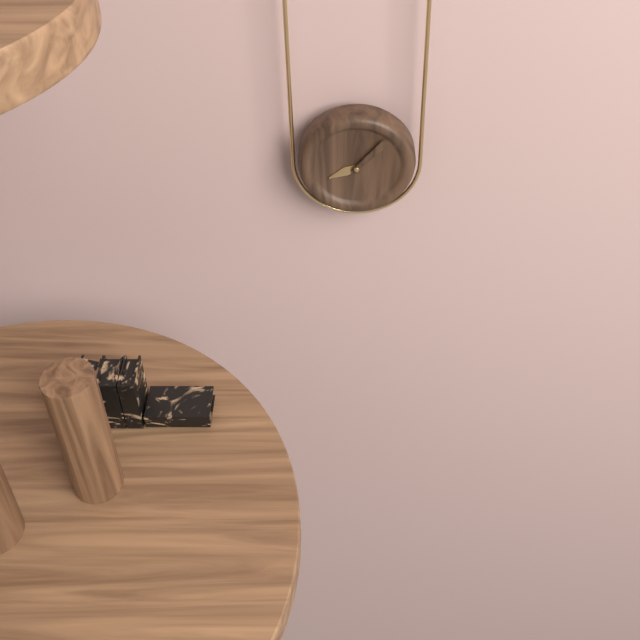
8:07
